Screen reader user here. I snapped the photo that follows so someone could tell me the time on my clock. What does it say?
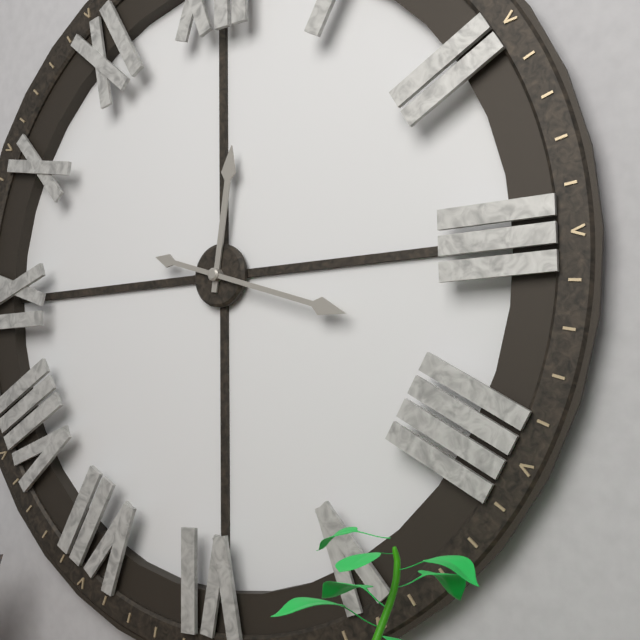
12:18
